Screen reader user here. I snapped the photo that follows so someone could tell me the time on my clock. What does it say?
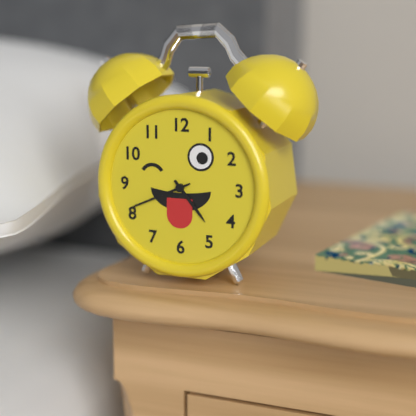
4:41
